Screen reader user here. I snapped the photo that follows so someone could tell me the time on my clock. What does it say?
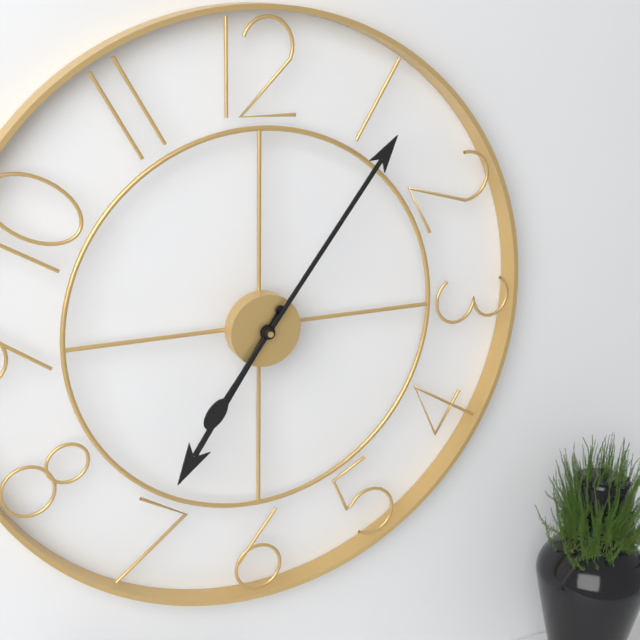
7:06
